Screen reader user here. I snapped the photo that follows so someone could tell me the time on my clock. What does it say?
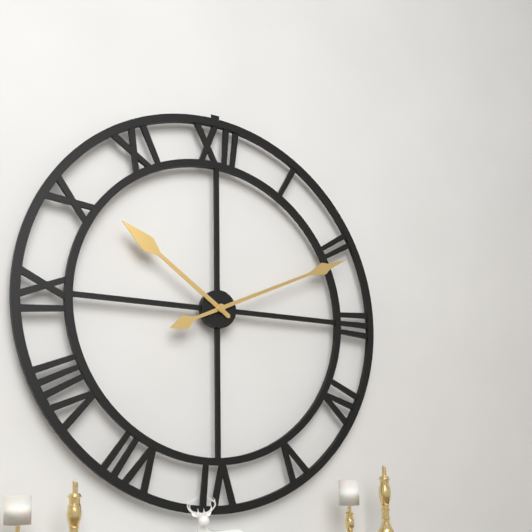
10:11
